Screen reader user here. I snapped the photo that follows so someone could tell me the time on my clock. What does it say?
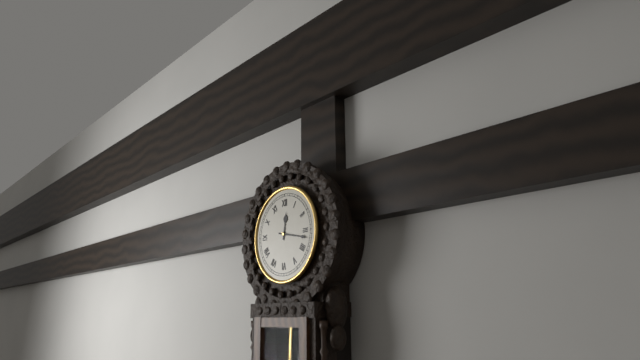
12:17
